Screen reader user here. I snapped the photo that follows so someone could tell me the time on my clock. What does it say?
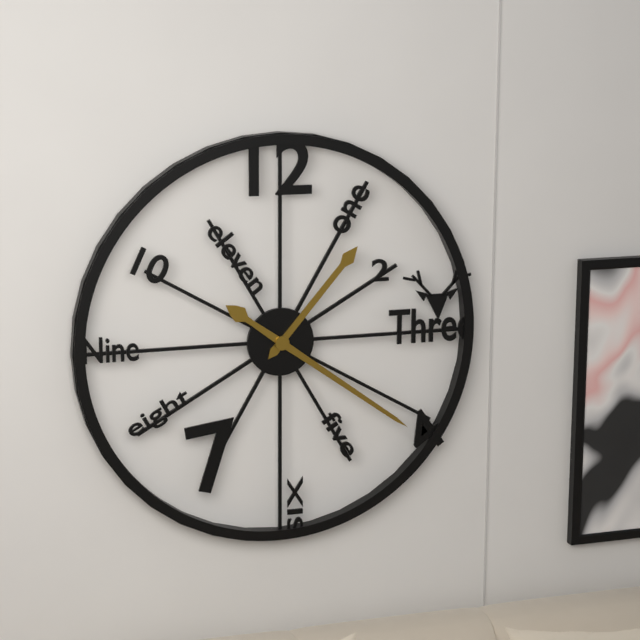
1:21
